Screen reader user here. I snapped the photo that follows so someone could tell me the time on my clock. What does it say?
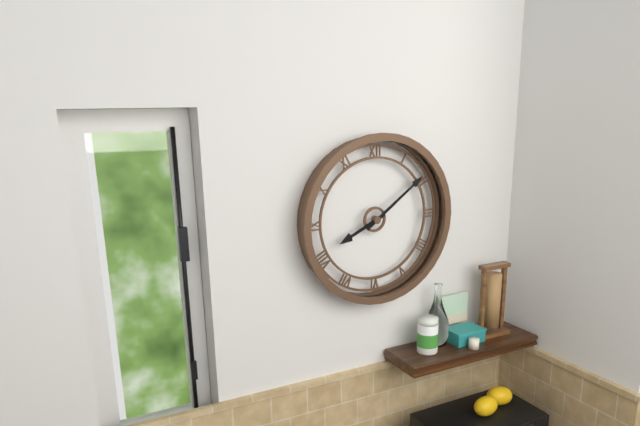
8:09
